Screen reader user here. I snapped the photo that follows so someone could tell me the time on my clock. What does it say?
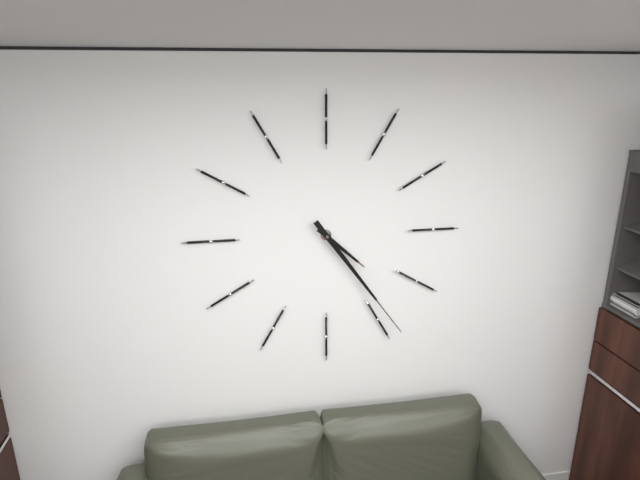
4:24
